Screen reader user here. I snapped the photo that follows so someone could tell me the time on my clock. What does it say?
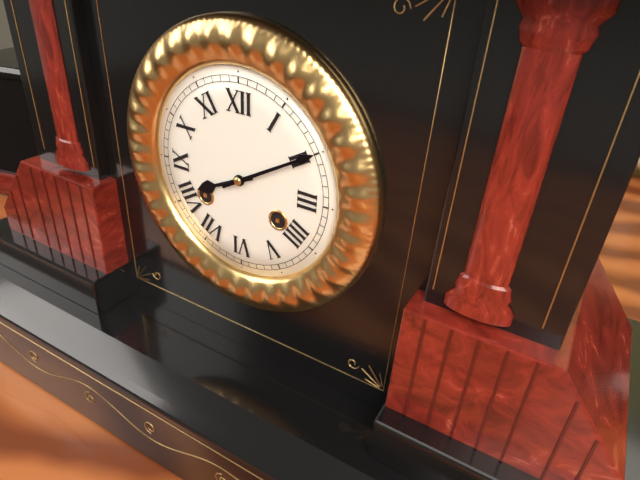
8:10
